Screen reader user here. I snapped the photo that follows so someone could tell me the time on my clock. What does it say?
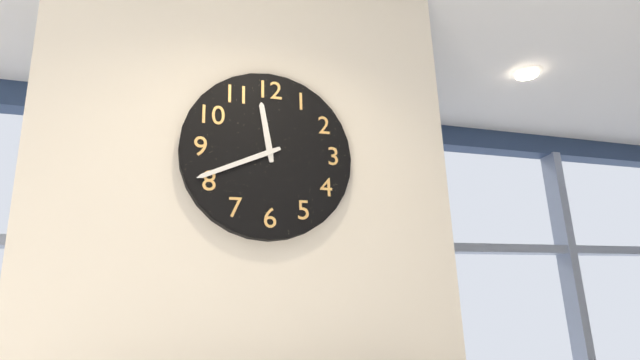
11:41
